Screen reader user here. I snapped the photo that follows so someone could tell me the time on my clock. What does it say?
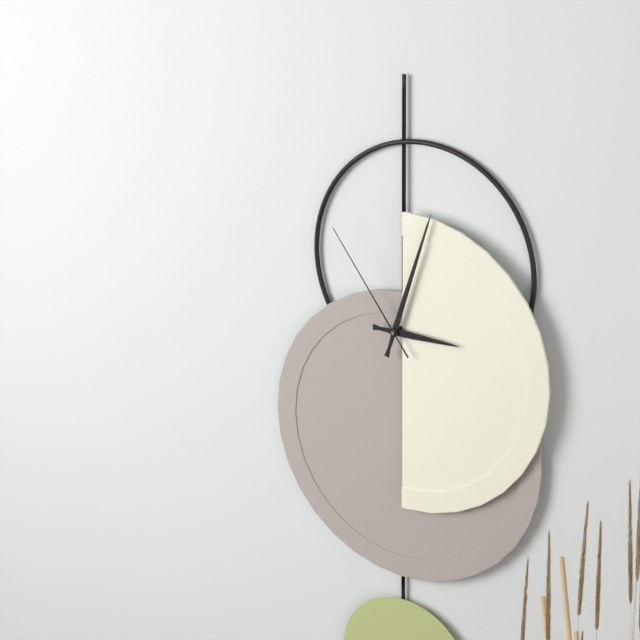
3:03:54
